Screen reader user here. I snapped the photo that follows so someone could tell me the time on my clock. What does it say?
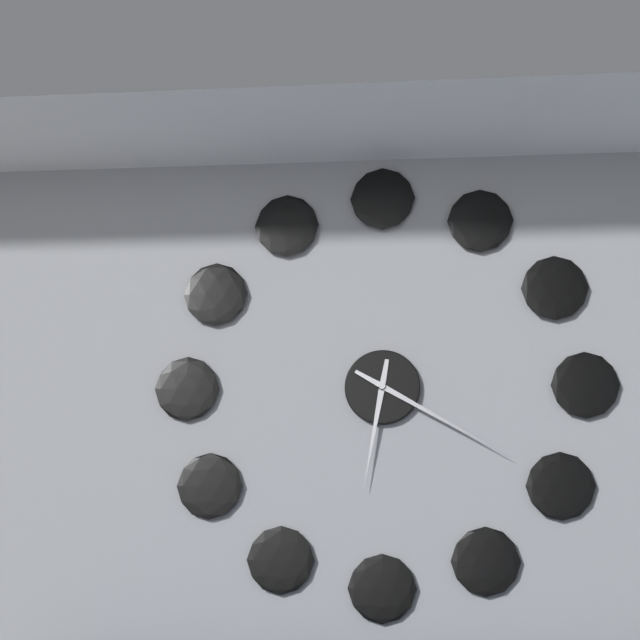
6:20
